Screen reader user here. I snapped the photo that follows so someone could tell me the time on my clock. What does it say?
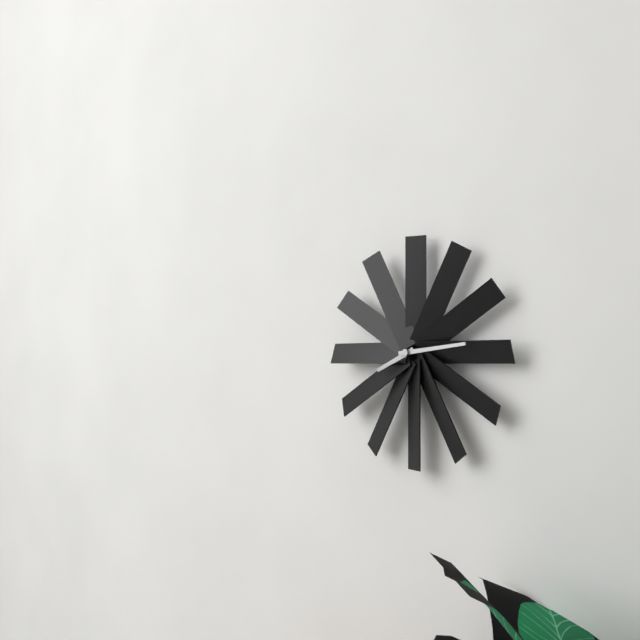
8:14
